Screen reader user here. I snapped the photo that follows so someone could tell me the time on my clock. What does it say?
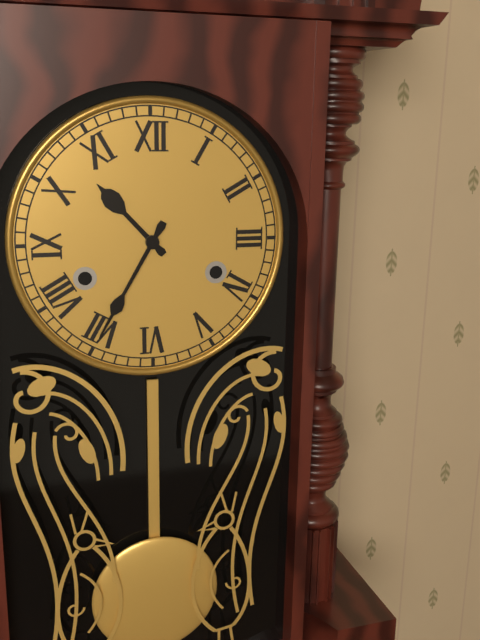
10:35
